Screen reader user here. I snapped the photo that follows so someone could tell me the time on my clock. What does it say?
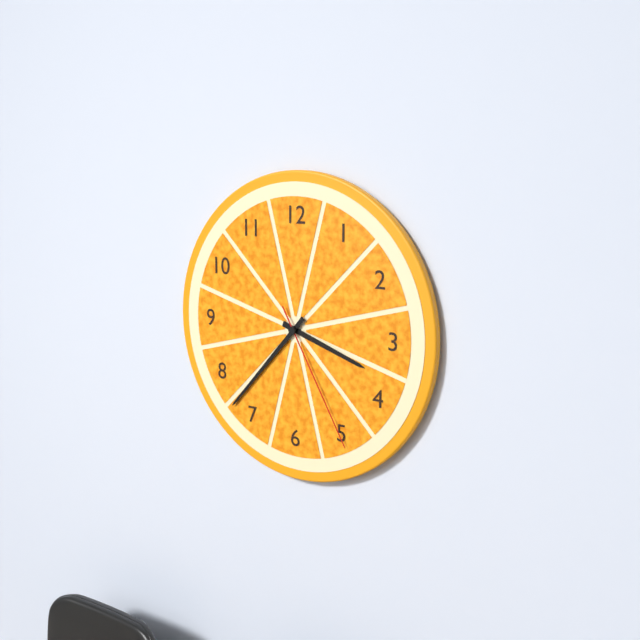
3:37:25
